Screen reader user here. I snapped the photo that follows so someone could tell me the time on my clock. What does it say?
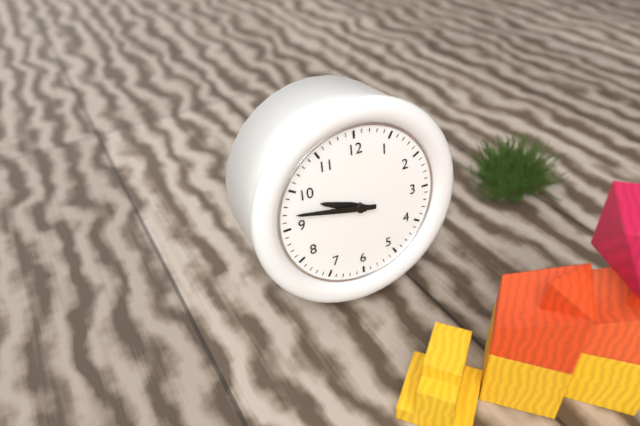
9:47
